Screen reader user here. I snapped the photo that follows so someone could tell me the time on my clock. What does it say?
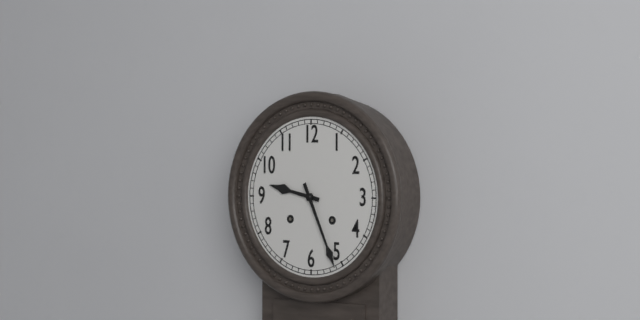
9:26
